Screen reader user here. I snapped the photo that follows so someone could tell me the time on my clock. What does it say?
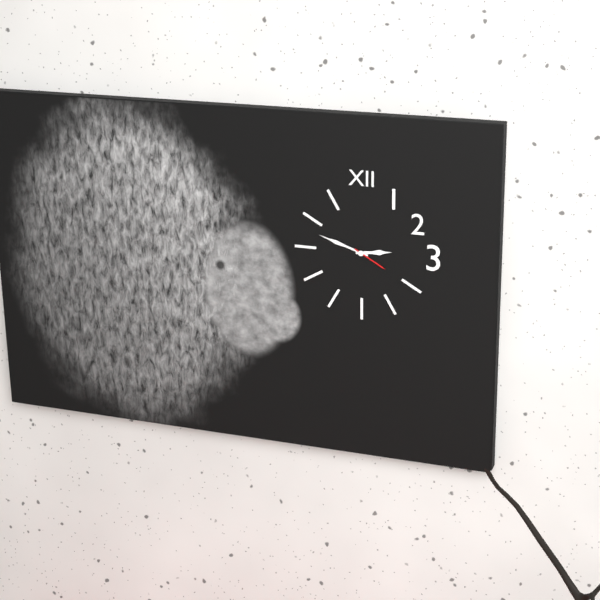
2:48
